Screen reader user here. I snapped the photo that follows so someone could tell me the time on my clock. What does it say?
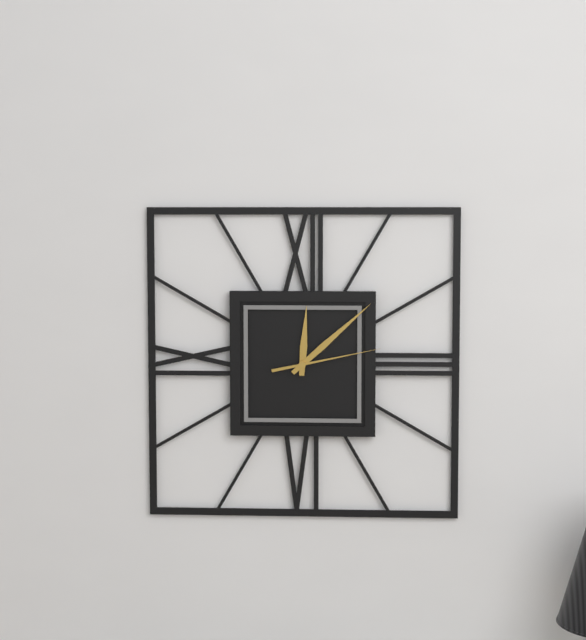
12:08:13
